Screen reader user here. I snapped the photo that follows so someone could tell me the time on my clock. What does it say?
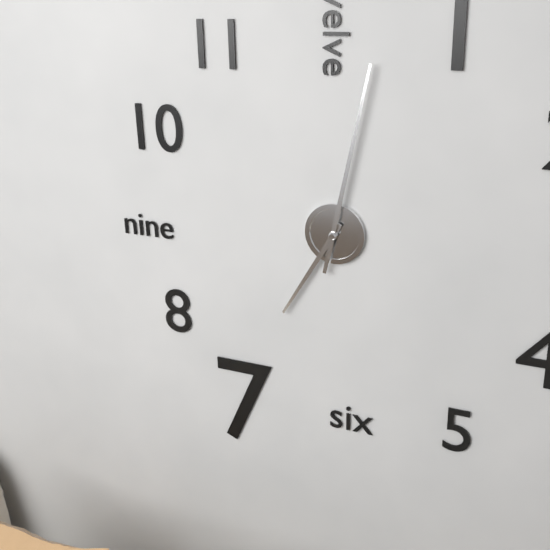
7:02
